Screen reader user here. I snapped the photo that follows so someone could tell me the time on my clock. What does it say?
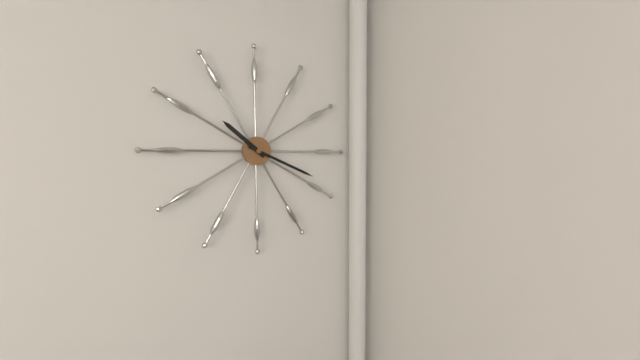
10:19
